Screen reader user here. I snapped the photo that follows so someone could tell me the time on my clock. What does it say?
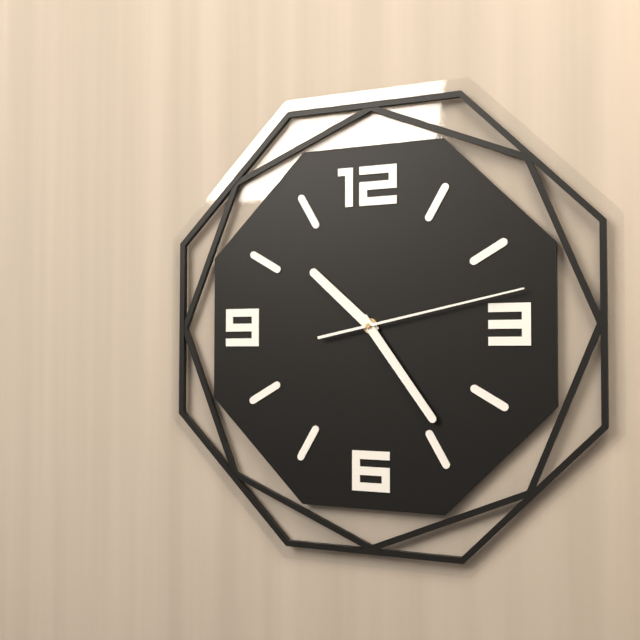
10:24:13
